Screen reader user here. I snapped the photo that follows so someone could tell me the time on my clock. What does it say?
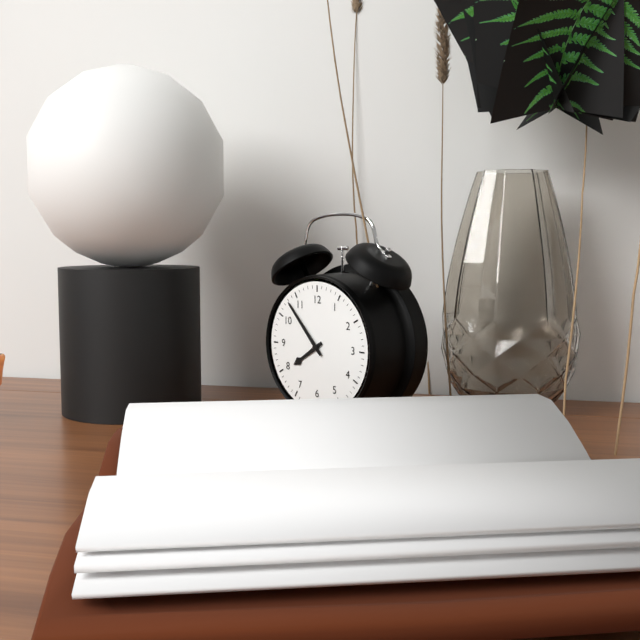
7:53
